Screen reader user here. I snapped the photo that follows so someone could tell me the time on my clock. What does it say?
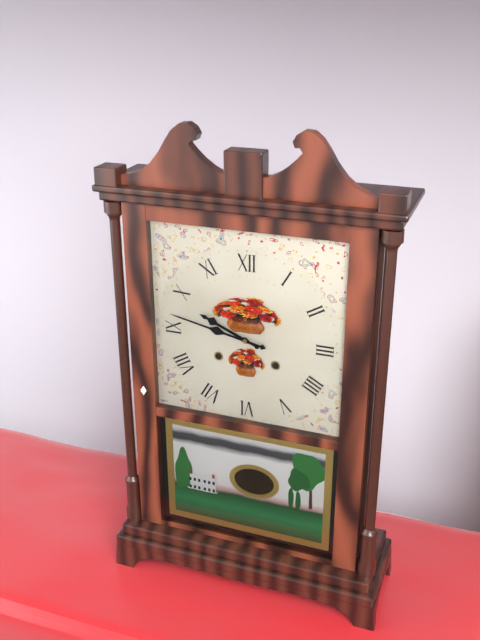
9:47
